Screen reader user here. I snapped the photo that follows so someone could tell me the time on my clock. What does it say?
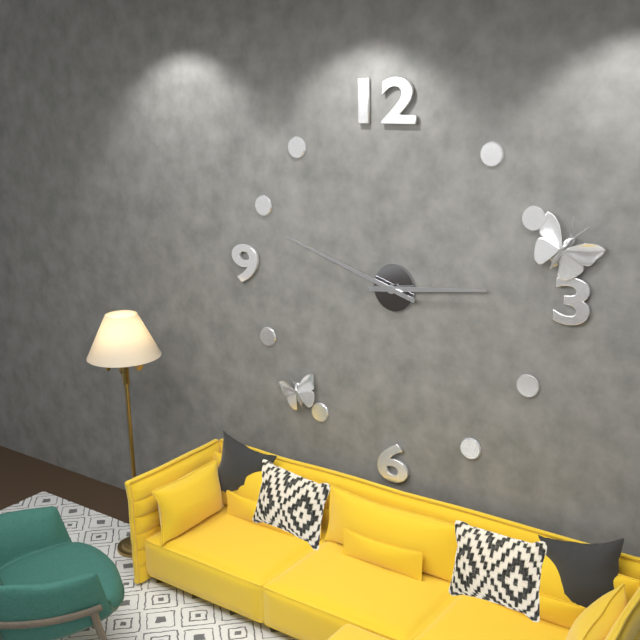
2:48
